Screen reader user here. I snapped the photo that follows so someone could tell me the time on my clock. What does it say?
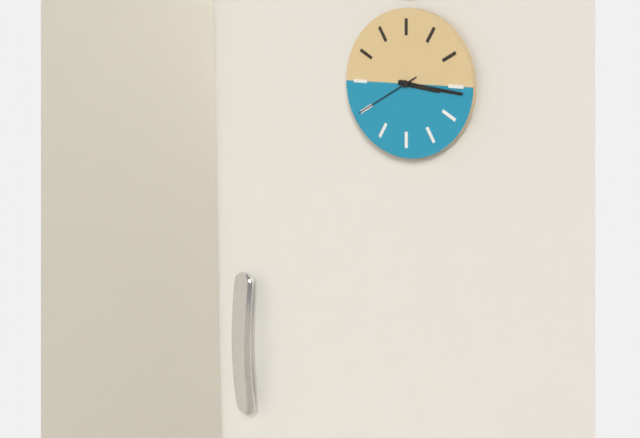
3:16:40
